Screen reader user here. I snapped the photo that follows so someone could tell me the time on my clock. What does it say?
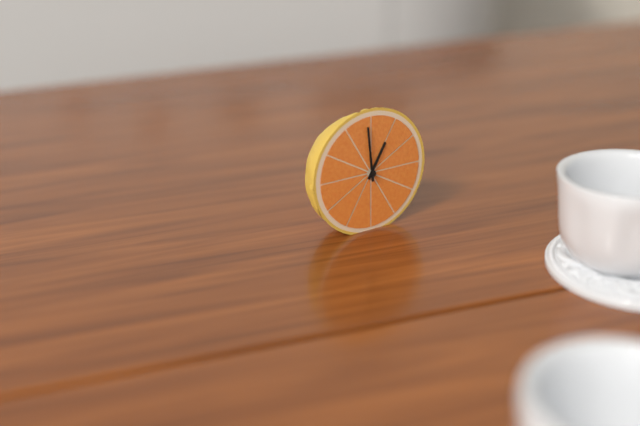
12:59
